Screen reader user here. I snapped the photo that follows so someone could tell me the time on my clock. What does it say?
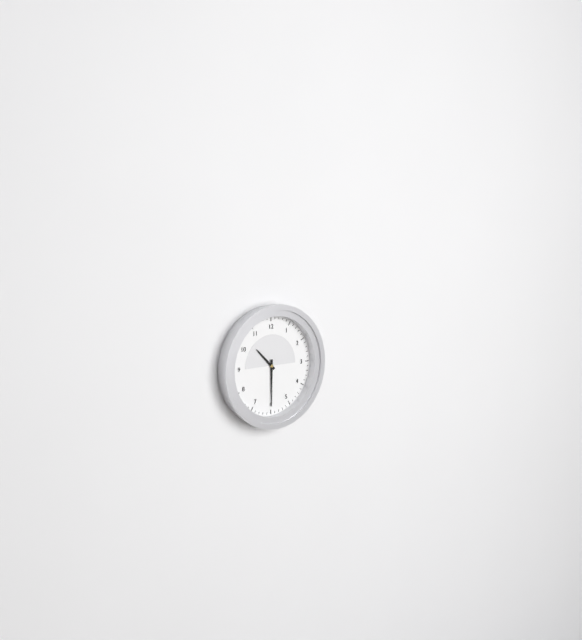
10:30
